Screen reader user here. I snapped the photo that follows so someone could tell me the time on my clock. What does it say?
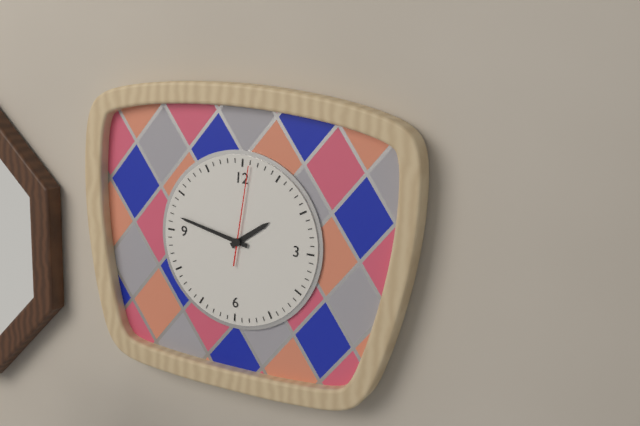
1:47:01
